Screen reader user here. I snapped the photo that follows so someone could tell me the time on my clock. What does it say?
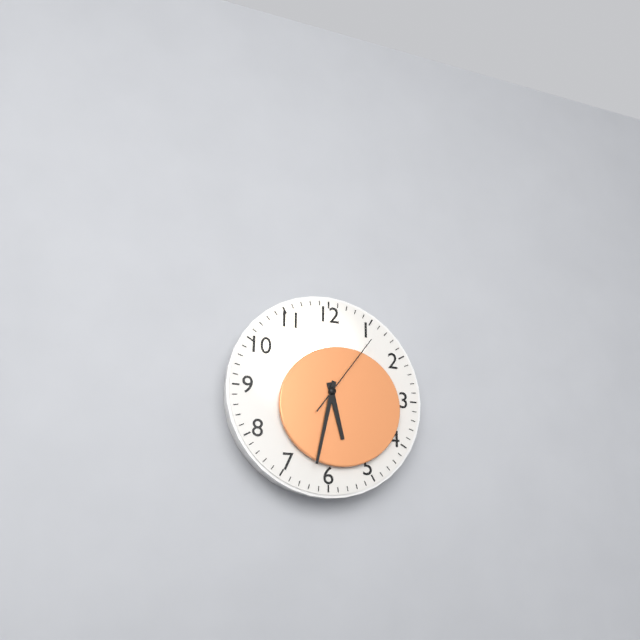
5:32:06
